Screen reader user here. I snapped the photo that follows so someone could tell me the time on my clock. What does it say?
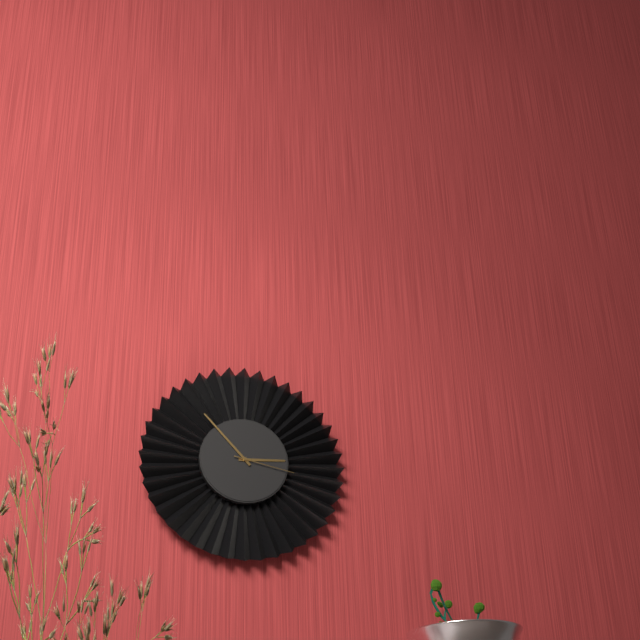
2:53:17
